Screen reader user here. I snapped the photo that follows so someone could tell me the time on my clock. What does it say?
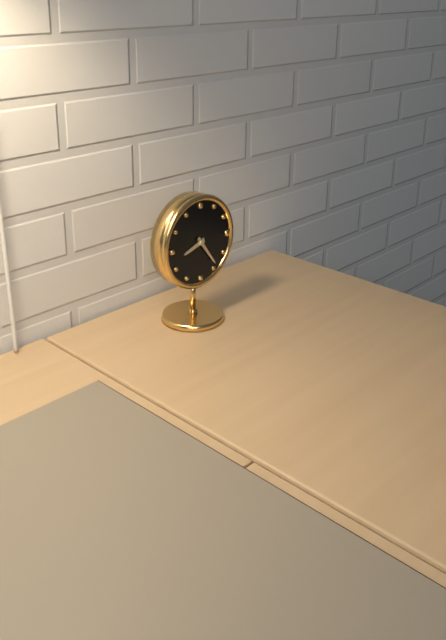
8:24
